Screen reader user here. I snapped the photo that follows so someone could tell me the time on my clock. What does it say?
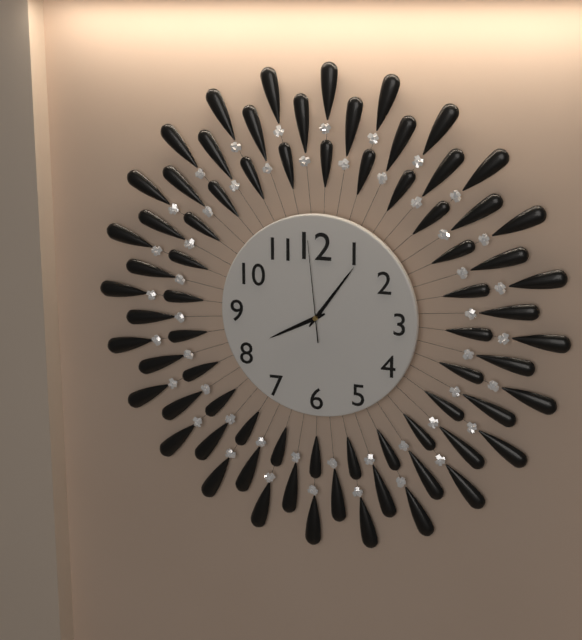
8:06:59
